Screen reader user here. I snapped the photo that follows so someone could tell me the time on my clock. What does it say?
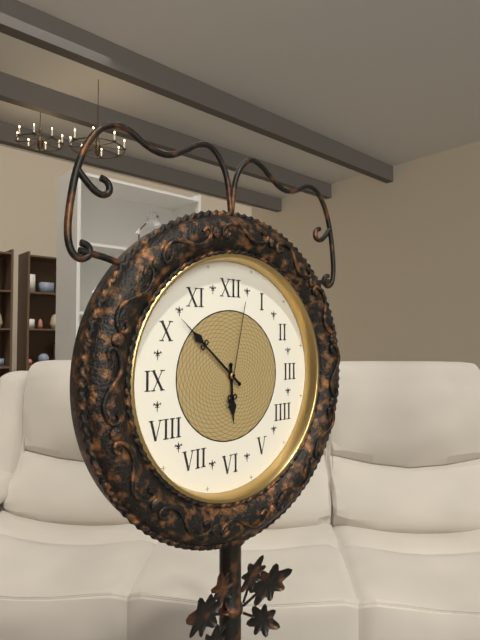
5:52:02
